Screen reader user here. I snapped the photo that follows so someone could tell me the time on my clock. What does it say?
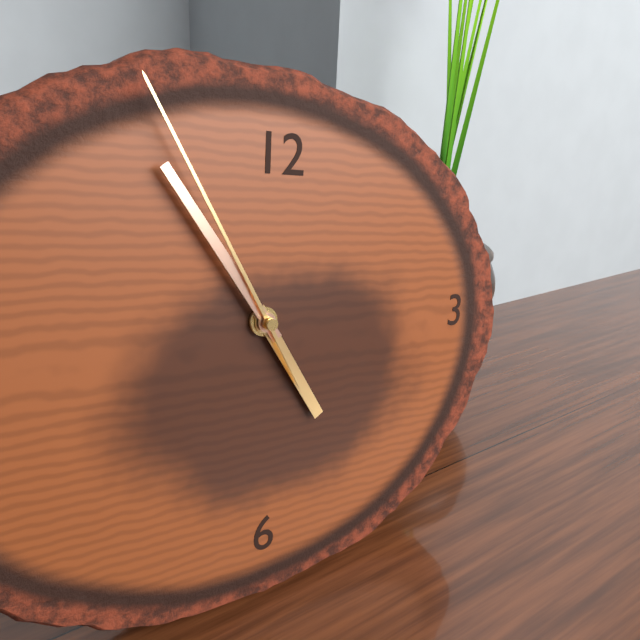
4:54:55
